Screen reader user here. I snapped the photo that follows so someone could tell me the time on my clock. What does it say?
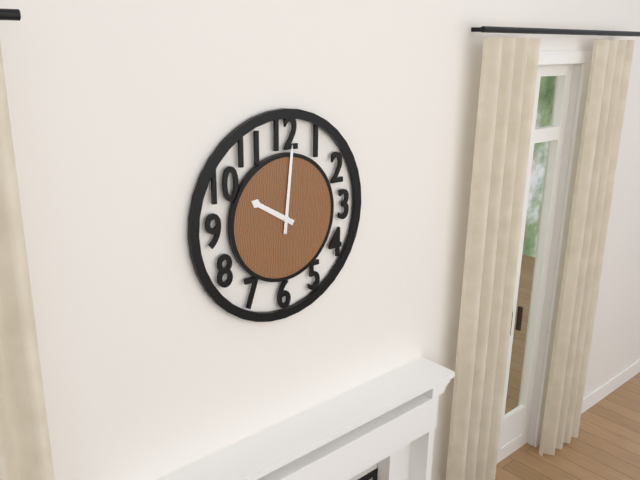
10:01
